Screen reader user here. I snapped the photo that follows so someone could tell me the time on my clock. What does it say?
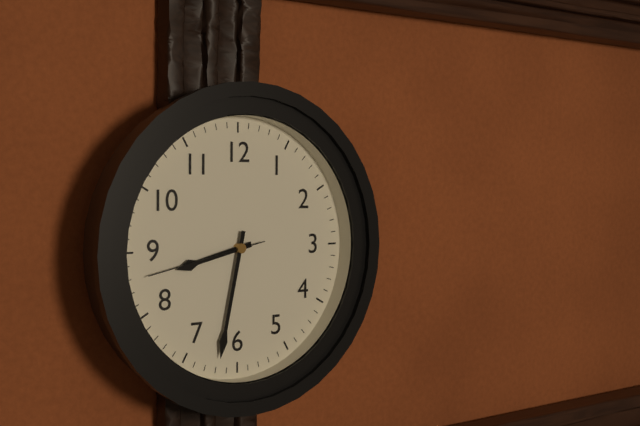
8:32:43
